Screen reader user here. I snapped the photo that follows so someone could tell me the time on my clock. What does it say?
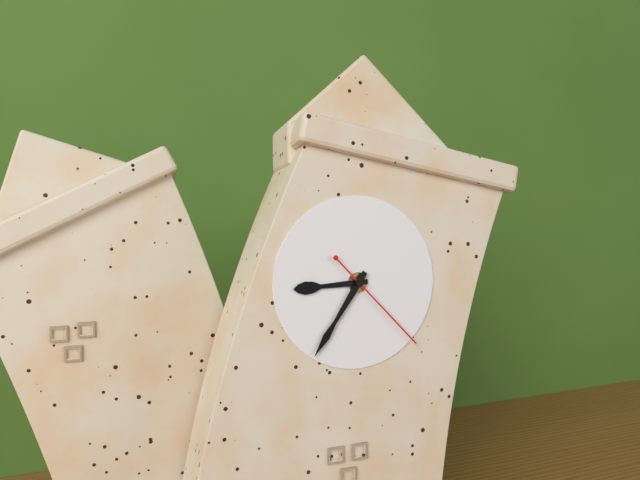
8:34:21
